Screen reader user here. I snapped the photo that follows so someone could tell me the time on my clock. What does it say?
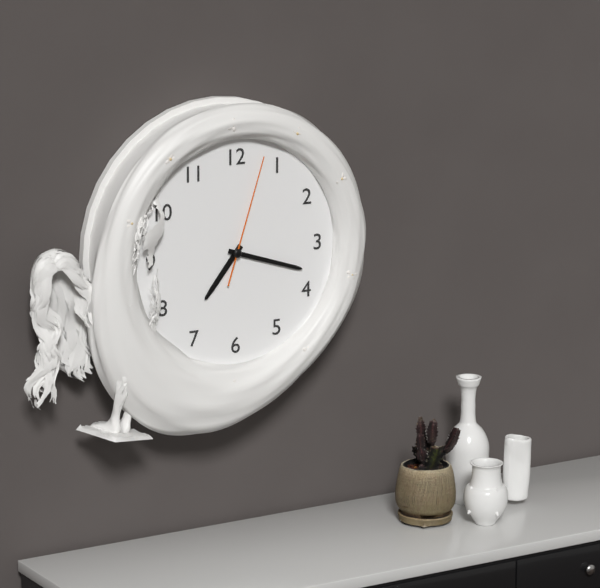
7:18:03
